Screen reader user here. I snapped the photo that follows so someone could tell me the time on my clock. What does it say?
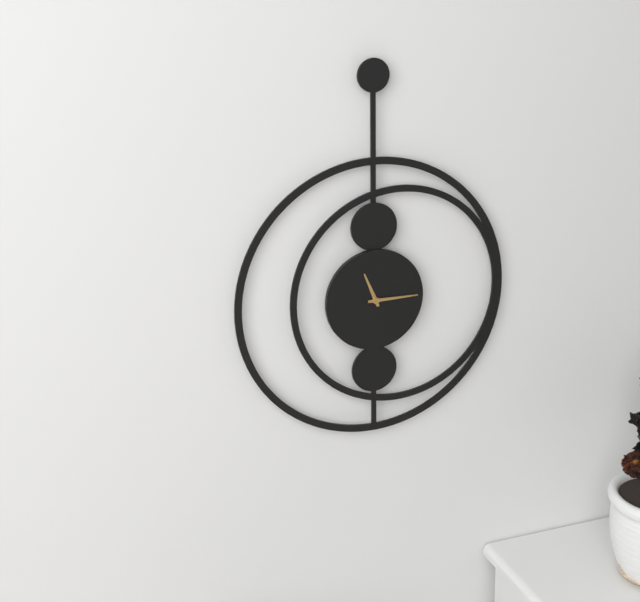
11:15
